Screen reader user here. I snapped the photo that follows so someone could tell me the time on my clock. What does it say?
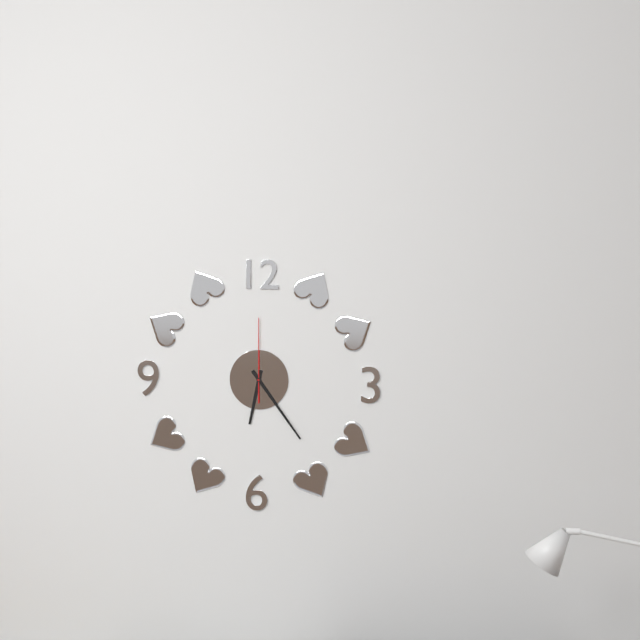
6:24:00
